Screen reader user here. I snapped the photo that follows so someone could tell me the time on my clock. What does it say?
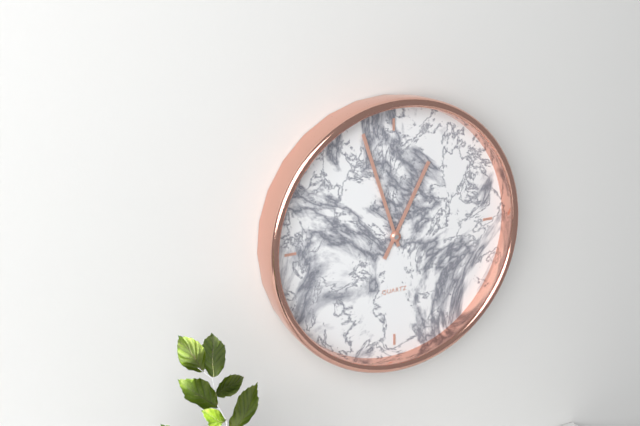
12:57
